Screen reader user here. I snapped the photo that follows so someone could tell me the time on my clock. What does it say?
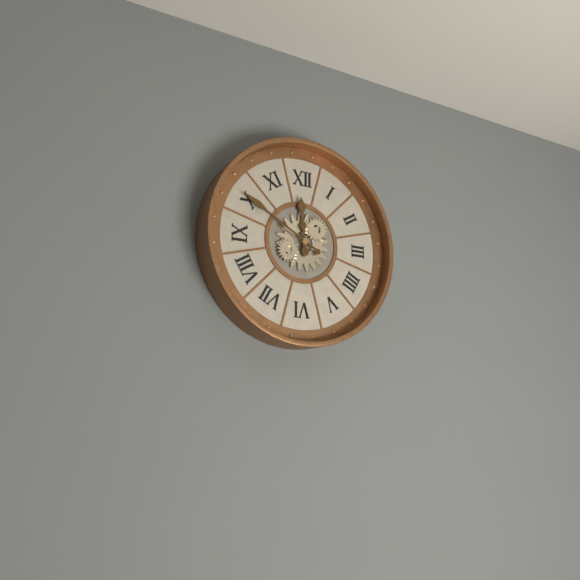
11:50
